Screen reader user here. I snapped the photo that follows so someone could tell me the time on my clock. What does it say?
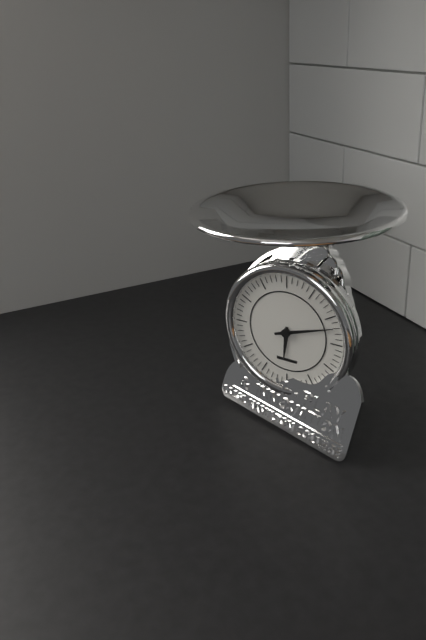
6:12
